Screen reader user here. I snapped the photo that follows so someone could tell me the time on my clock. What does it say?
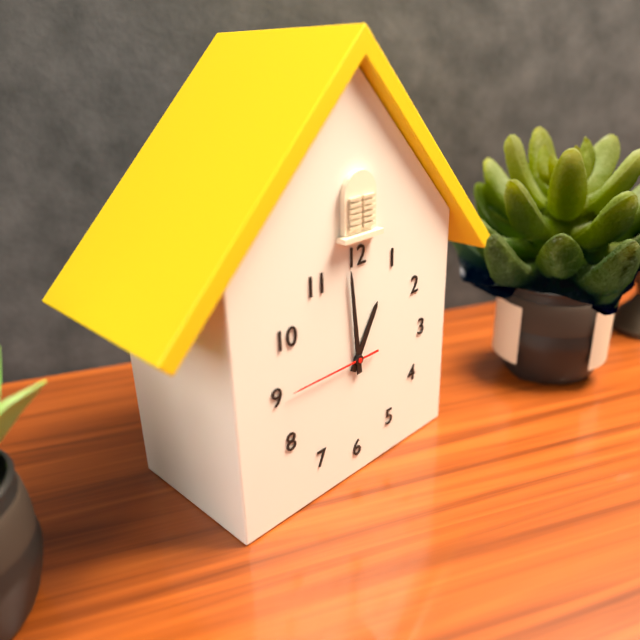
12:59:45
